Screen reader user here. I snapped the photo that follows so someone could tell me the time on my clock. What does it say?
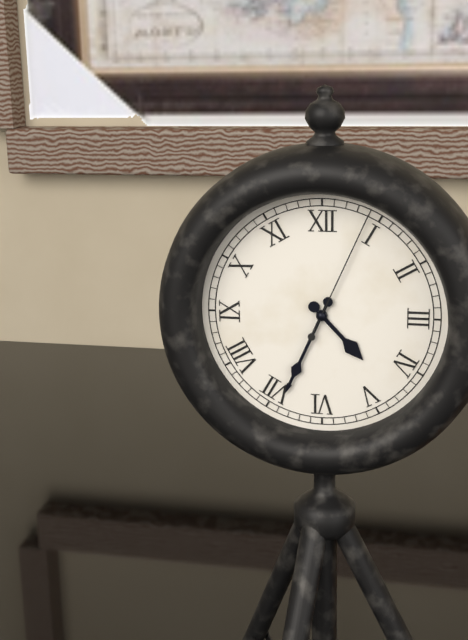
4:34:04
